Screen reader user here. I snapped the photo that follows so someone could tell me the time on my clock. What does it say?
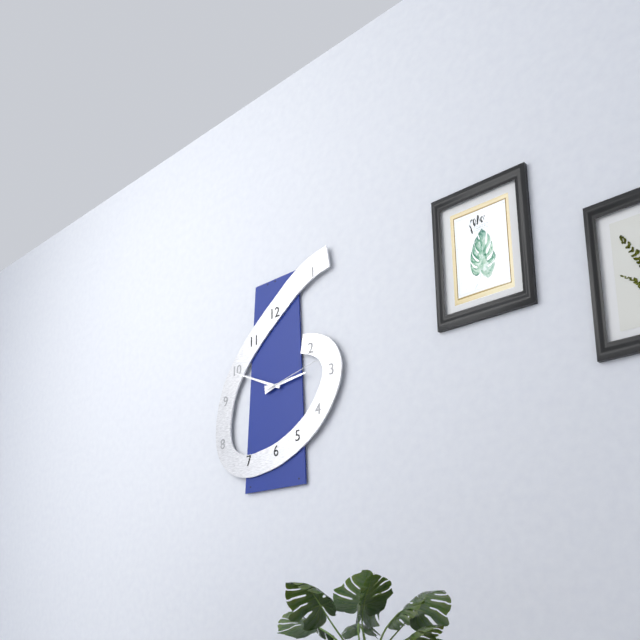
2:49:13
